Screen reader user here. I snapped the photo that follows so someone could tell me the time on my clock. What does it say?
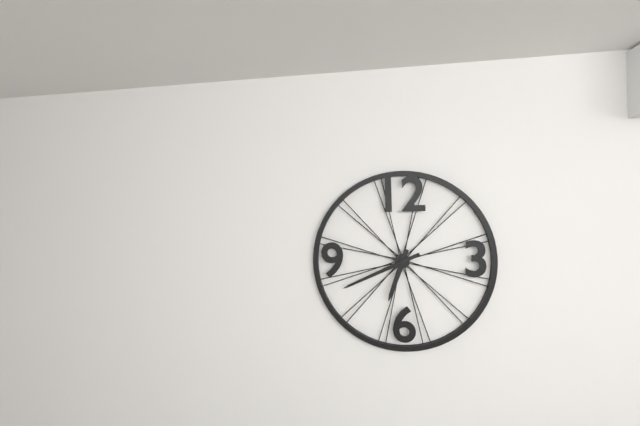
6:41
